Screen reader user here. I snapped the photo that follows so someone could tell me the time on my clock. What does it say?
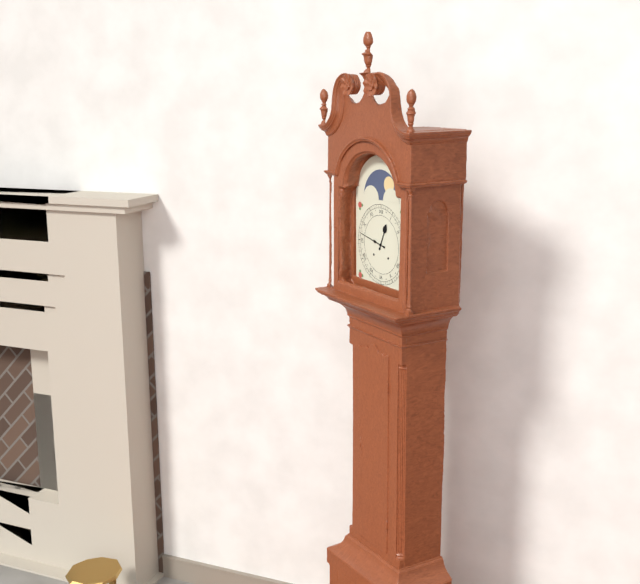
12:47
